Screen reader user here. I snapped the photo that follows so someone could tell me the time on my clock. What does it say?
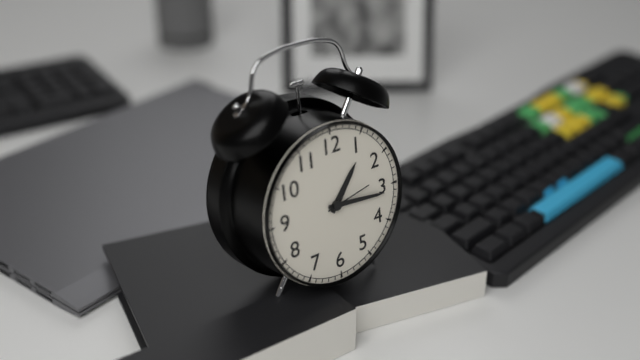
1:16:13
